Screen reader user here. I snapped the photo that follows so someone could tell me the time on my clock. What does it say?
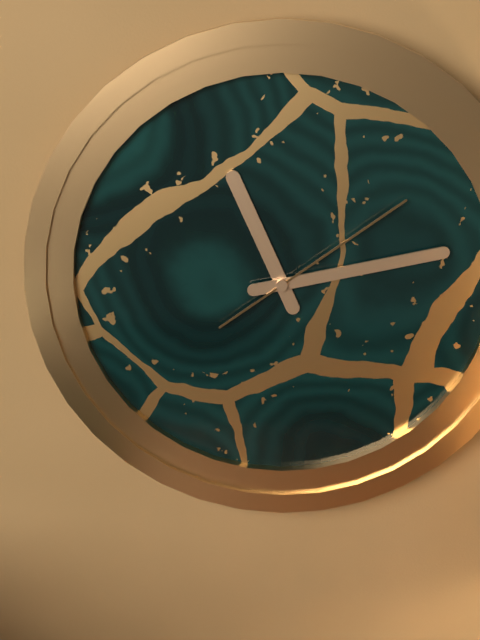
11:13:09
